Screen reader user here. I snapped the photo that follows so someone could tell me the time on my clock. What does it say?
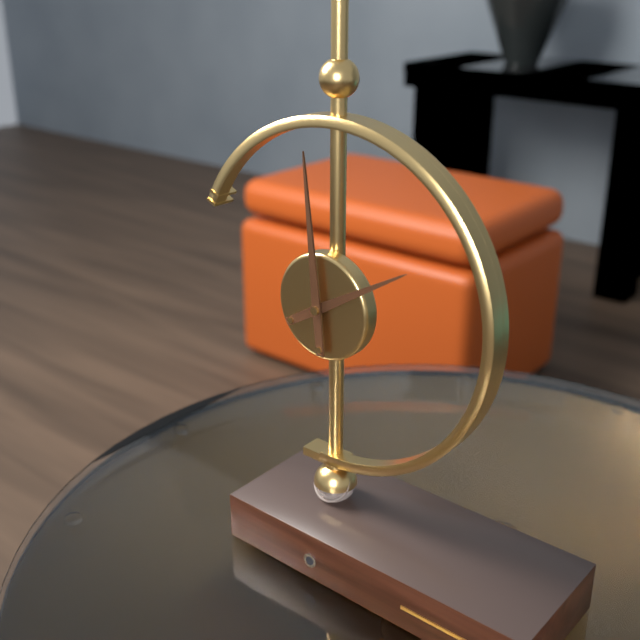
1:59
